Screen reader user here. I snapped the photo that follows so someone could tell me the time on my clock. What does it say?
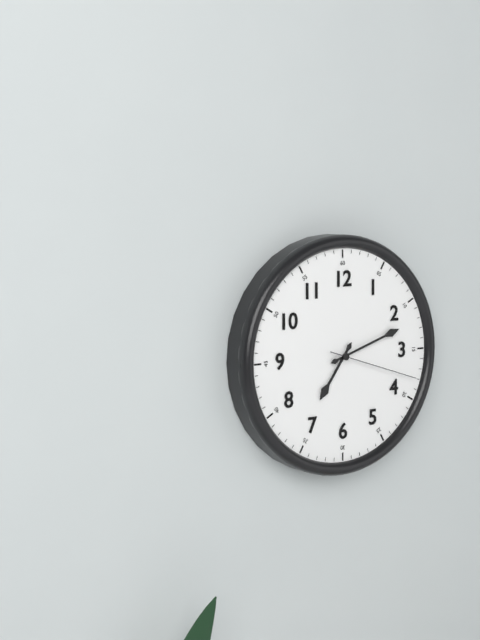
7:12:18
